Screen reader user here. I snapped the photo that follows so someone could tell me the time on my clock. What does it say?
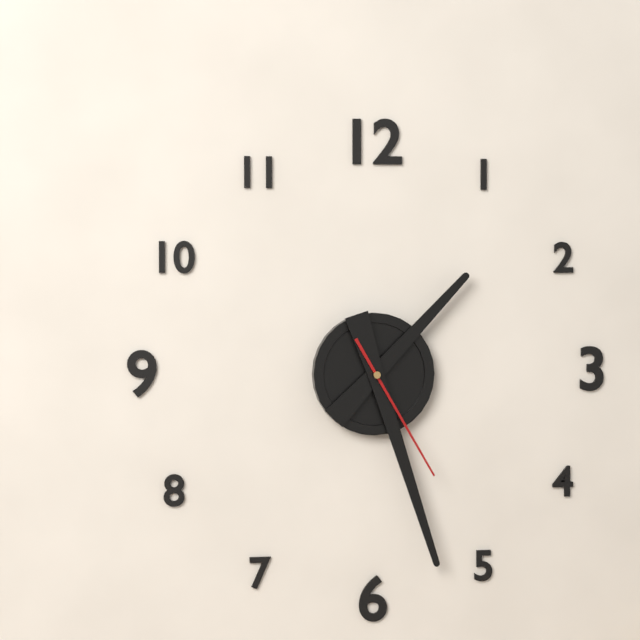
1:27:25
